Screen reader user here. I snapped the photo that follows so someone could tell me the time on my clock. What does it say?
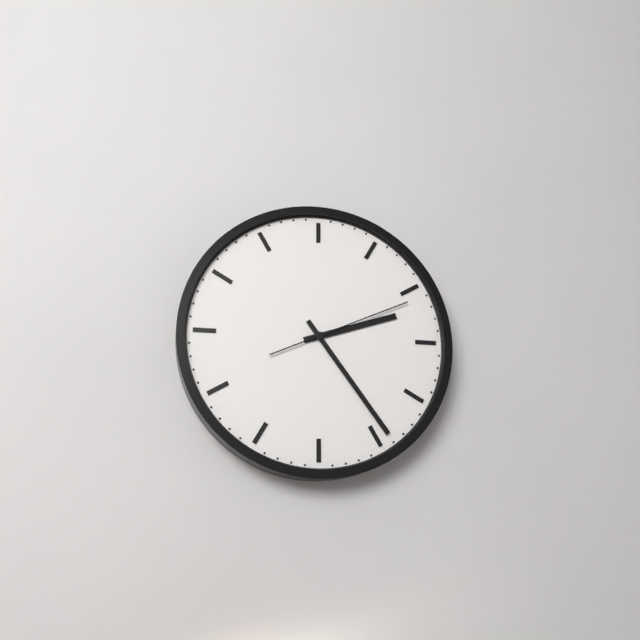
2:24:11
